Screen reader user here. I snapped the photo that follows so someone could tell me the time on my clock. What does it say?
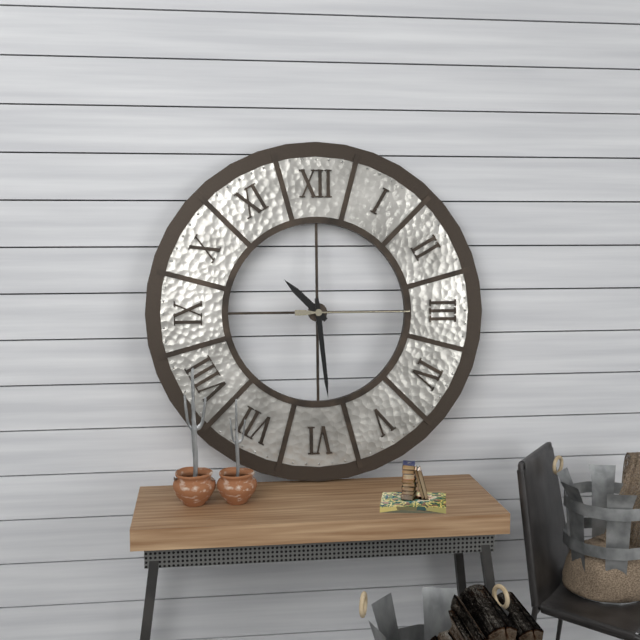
10:29:15
